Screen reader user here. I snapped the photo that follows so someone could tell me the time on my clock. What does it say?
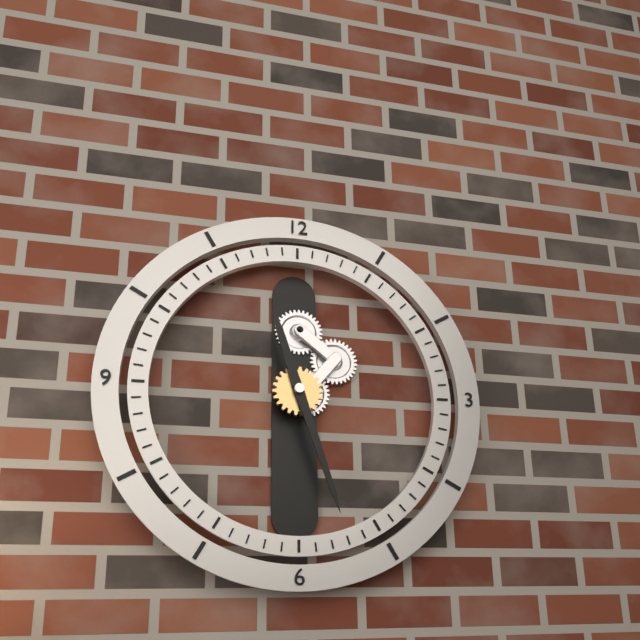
11:27
